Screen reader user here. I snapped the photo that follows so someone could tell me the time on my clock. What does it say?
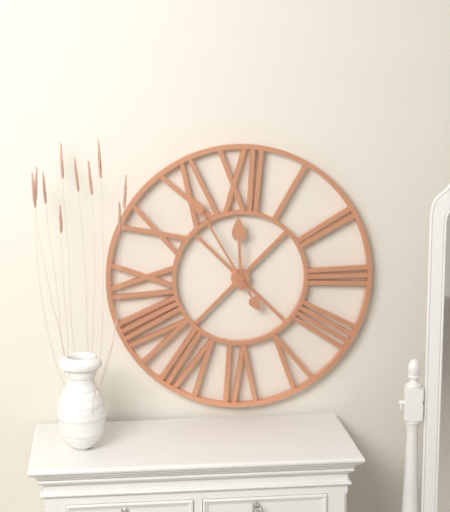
11:55
